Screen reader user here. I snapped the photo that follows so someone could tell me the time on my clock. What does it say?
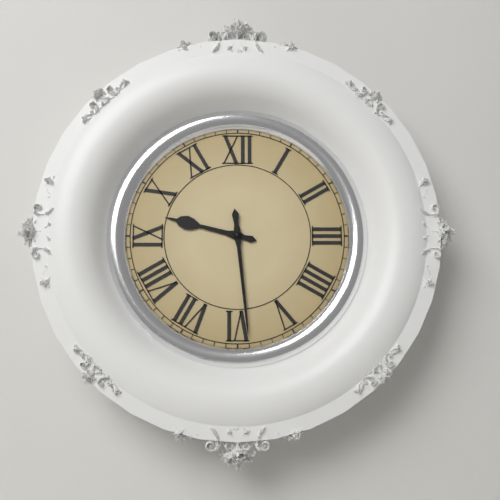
9:29
